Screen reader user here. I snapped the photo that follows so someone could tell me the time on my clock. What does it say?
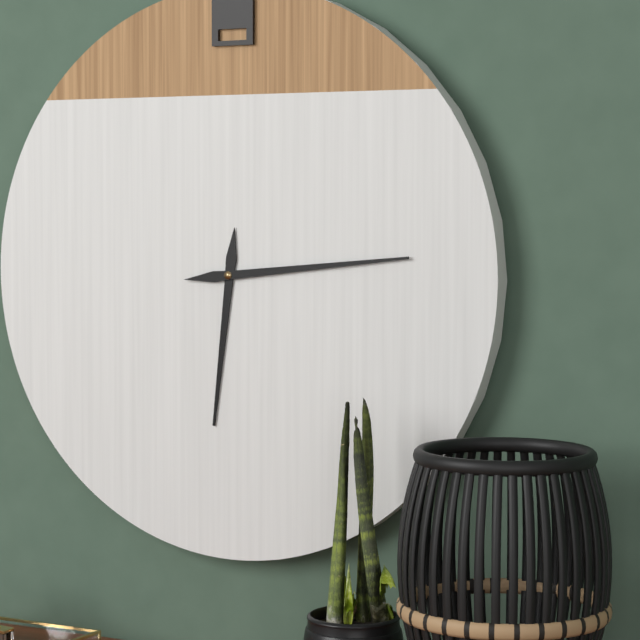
6:14
